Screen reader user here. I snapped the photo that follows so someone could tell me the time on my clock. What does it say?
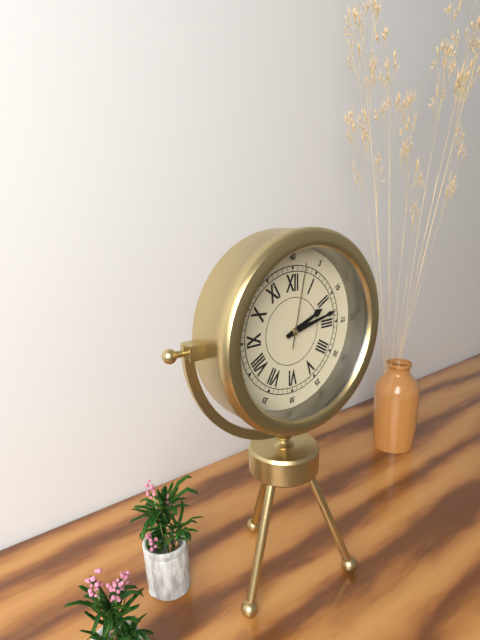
2:13:02
